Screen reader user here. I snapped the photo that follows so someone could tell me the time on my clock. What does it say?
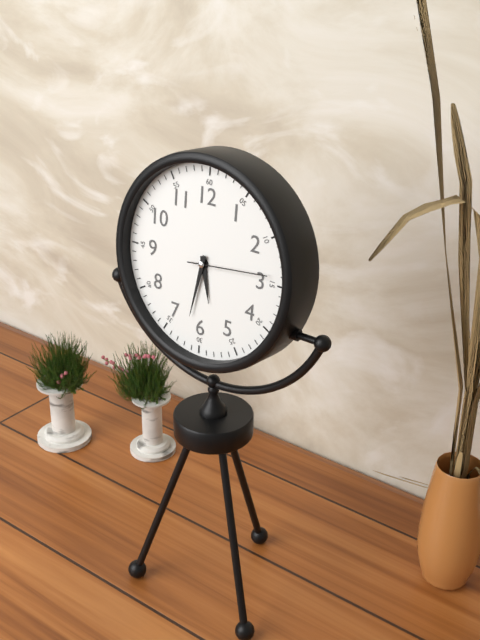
5:32:14
